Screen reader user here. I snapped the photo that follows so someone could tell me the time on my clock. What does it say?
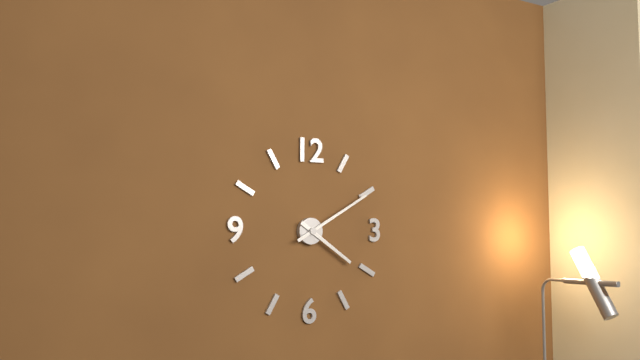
4:10
